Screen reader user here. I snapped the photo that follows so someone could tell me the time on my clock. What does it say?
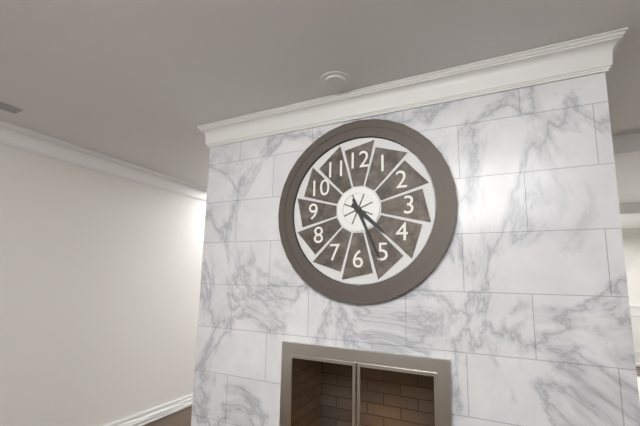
4:26
